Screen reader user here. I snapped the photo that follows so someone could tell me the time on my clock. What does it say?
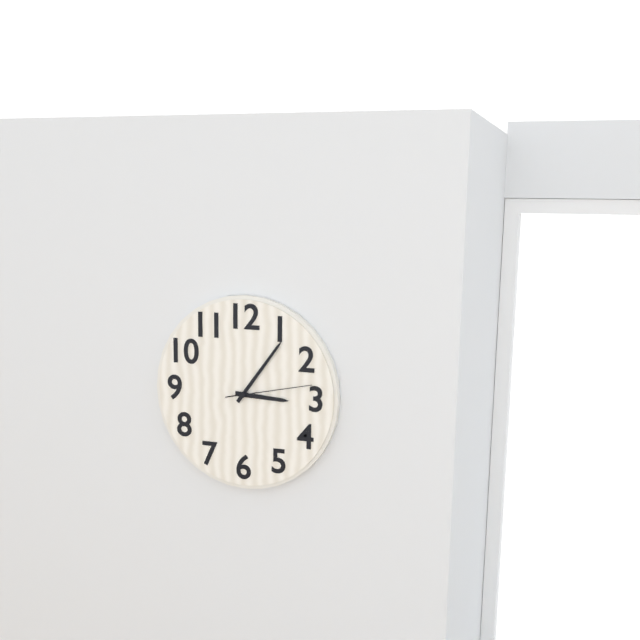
3:06:13
